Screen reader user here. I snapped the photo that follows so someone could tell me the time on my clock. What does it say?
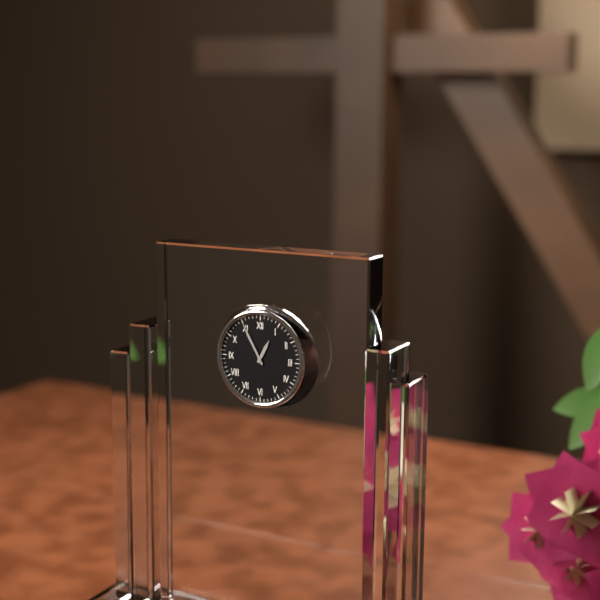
12:55
